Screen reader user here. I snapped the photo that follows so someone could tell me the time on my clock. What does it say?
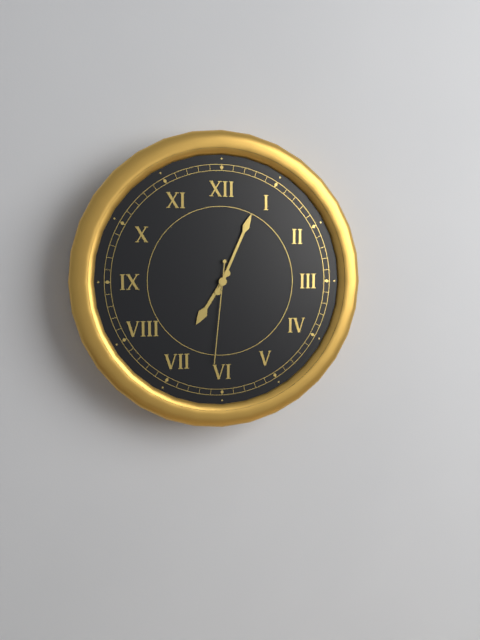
7:04:31
